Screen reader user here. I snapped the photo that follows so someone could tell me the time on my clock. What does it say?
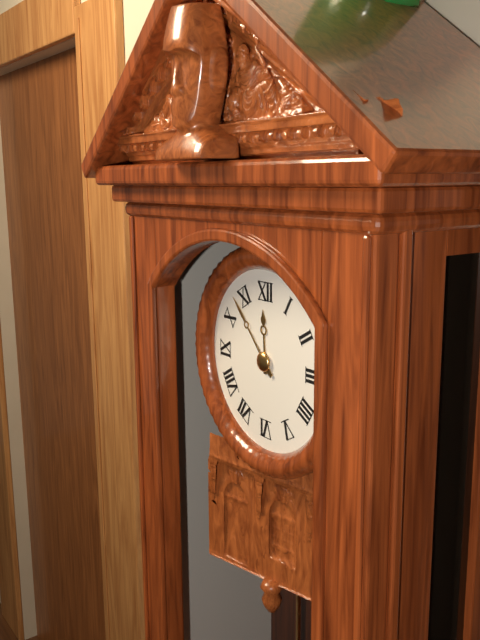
11:53
